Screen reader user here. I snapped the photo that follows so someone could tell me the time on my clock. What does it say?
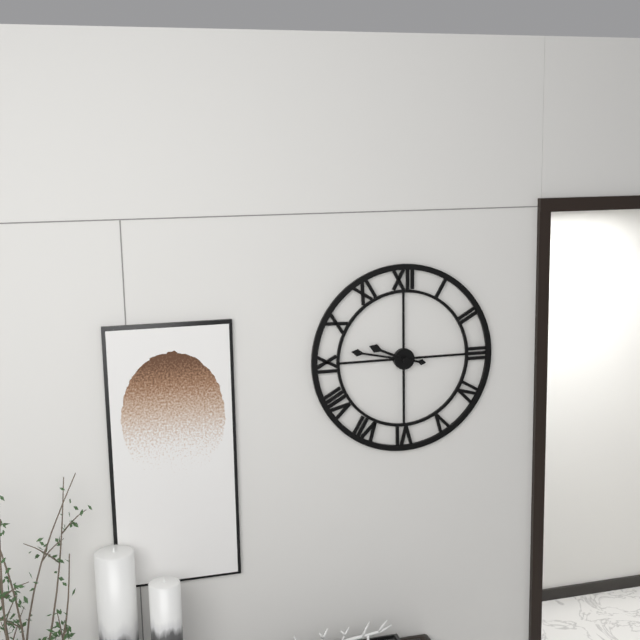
9:47
